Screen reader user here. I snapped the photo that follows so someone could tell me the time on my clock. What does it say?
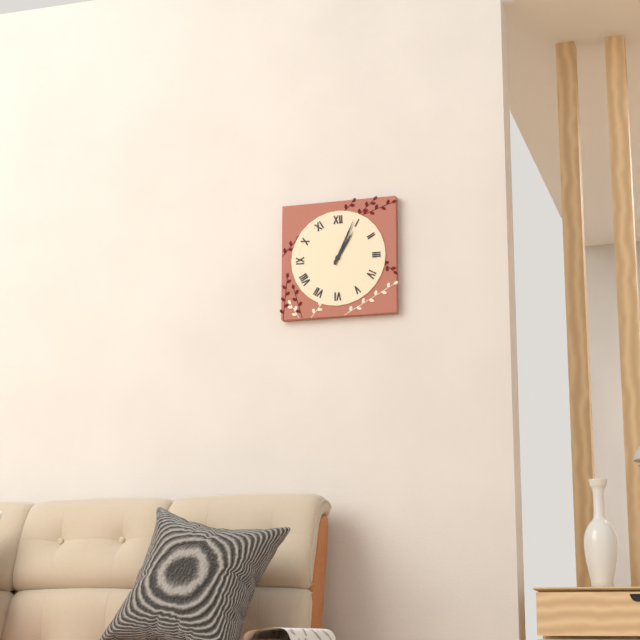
1:04
